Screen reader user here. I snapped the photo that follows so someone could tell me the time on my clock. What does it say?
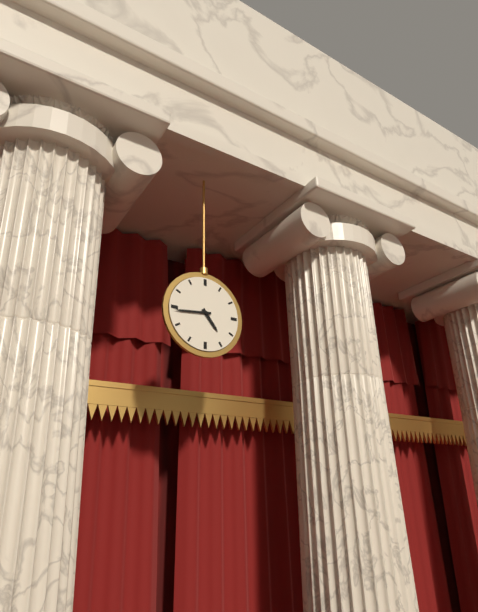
4:44
